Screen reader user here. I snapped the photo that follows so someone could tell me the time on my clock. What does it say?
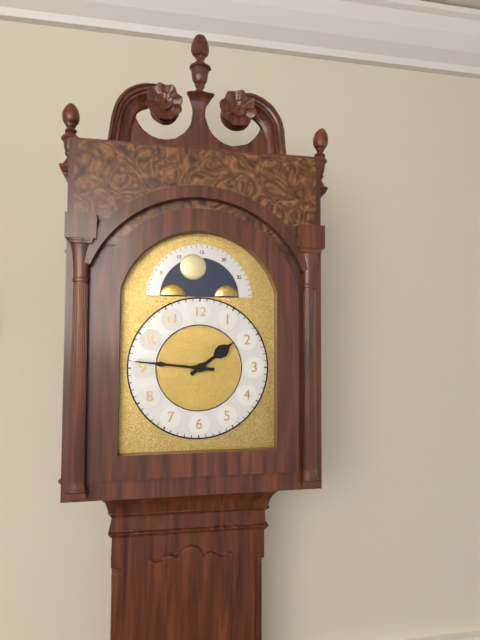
1:46
